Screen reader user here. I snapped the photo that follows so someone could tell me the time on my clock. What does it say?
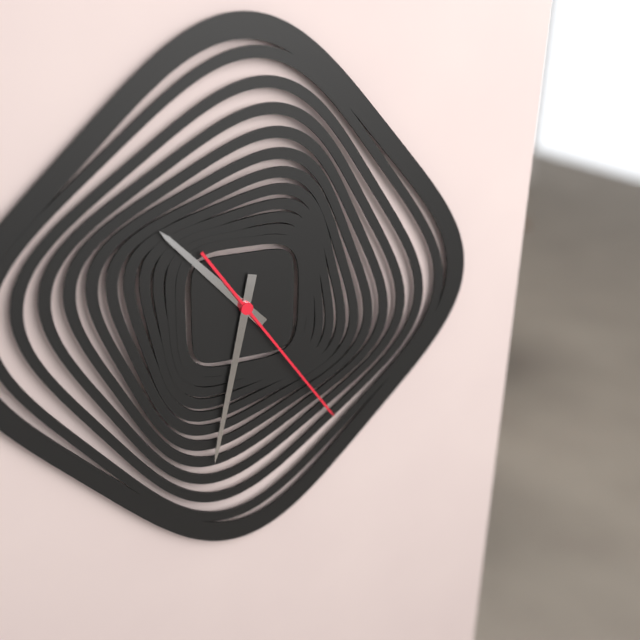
10:32:24
